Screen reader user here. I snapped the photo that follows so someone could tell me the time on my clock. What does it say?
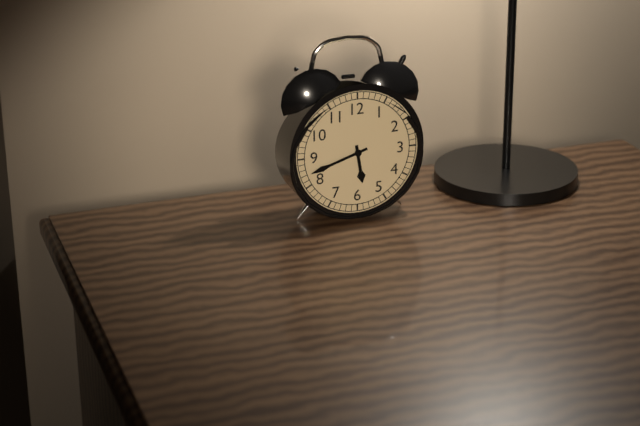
5:42
